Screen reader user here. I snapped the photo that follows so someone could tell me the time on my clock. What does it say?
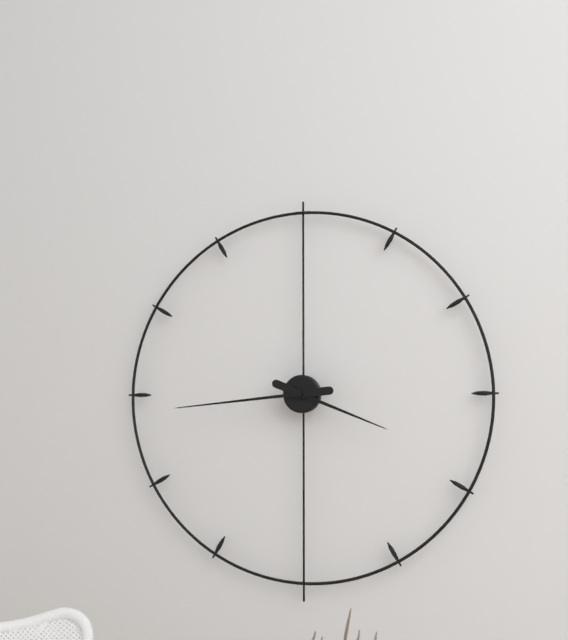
3:44
